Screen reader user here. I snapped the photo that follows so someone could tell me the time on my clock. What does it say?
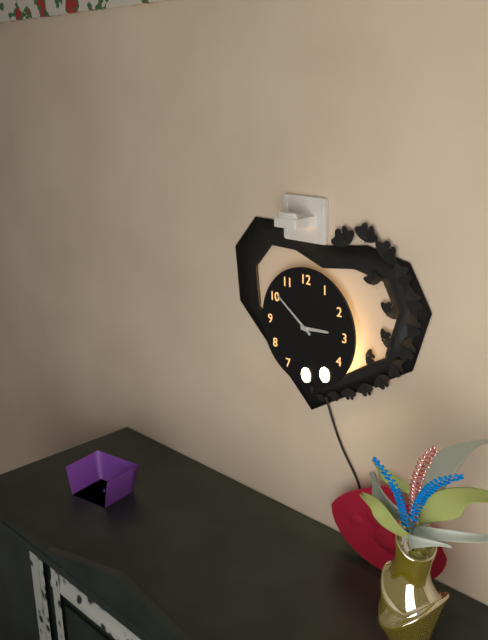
2:51
